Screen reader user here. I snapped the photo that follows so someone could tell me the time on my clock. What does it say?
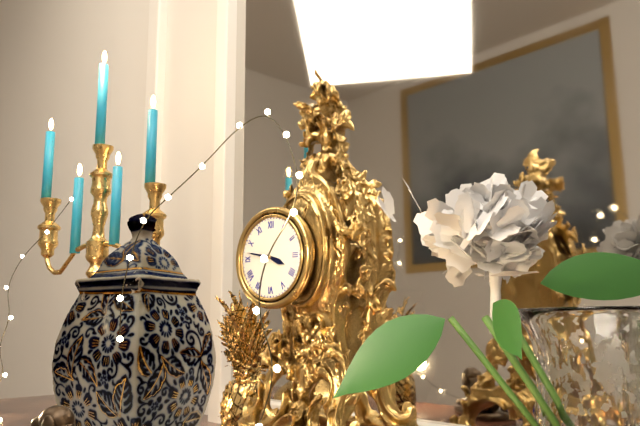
3:47
